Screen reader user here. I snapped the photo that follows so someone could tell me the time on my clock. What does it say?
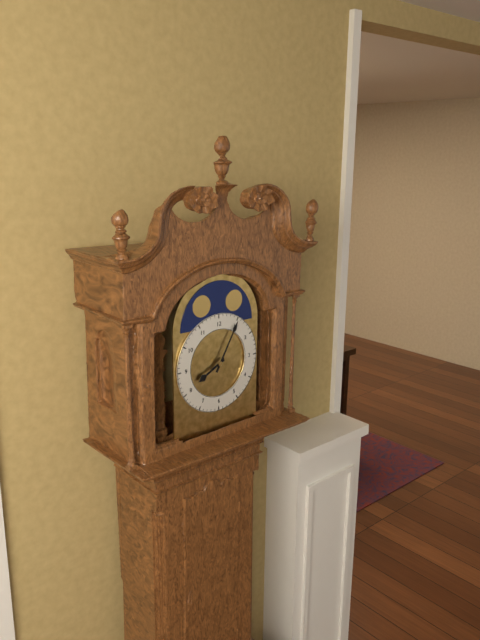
8:05
